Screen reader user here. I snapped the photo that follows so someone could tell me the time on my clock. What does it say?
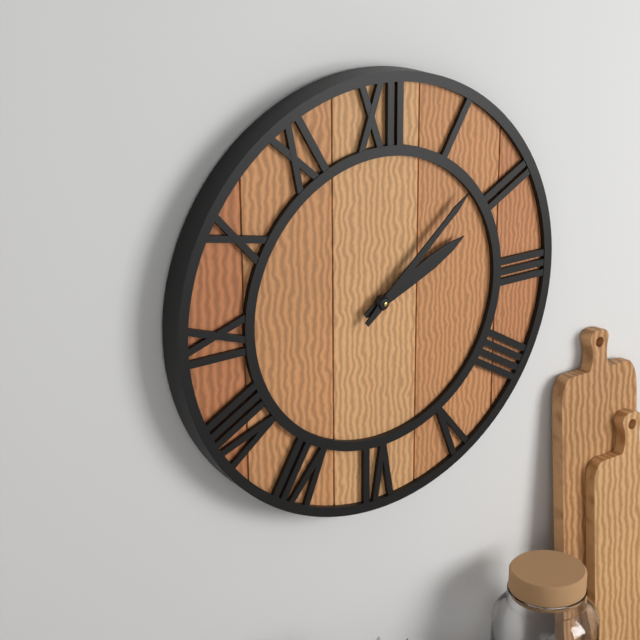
2:08
